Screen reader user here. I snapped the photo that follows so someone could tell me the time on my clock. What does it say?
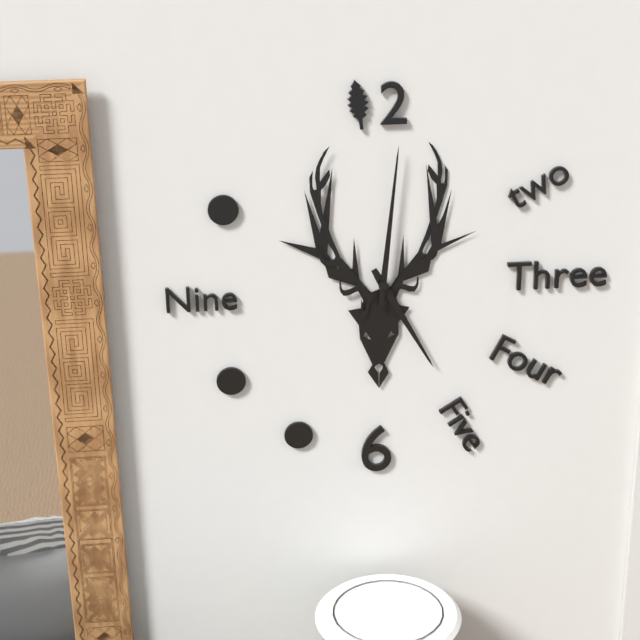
5:01
